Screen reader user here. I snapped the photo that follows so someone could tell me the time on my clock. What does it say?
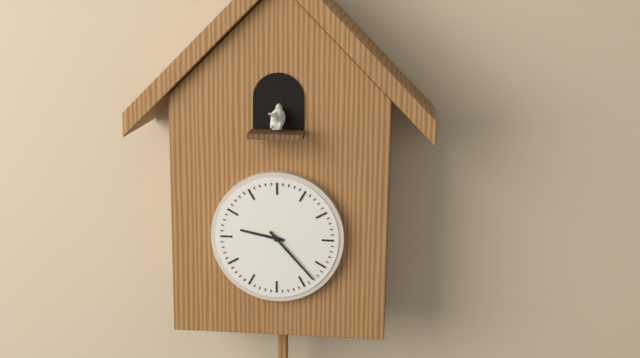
9:23
